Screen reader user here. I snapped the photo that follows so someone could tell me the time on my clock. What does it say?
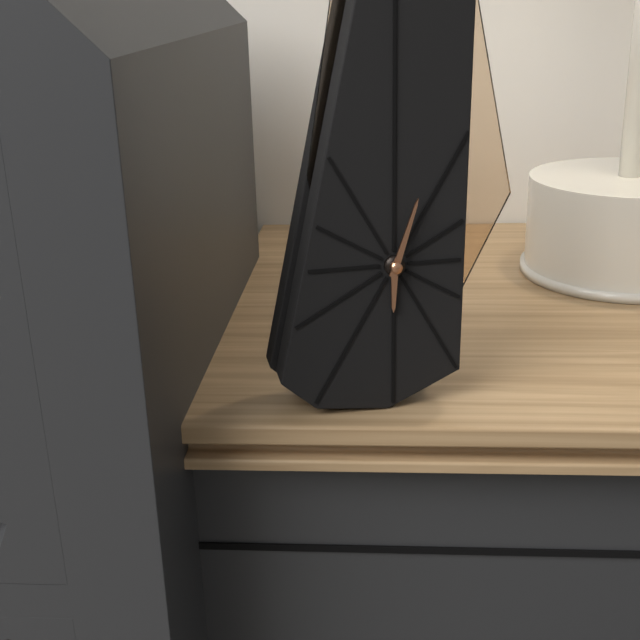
6:03
